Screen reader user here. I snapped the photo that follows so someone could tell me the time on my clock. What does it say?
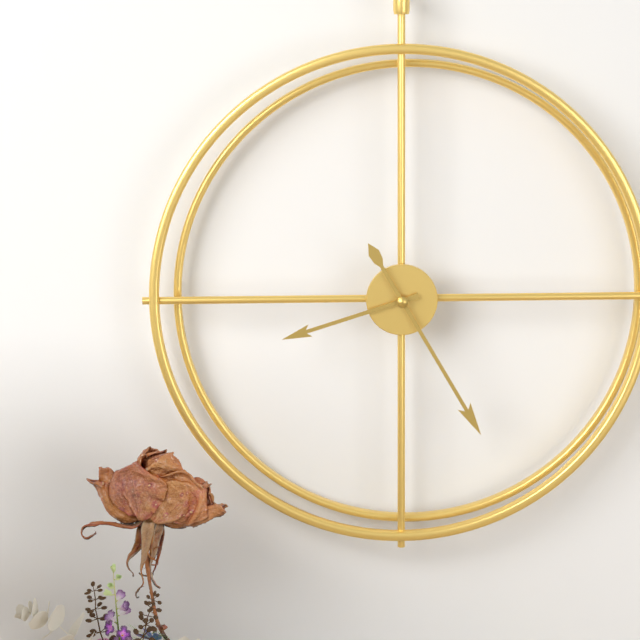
8:25
